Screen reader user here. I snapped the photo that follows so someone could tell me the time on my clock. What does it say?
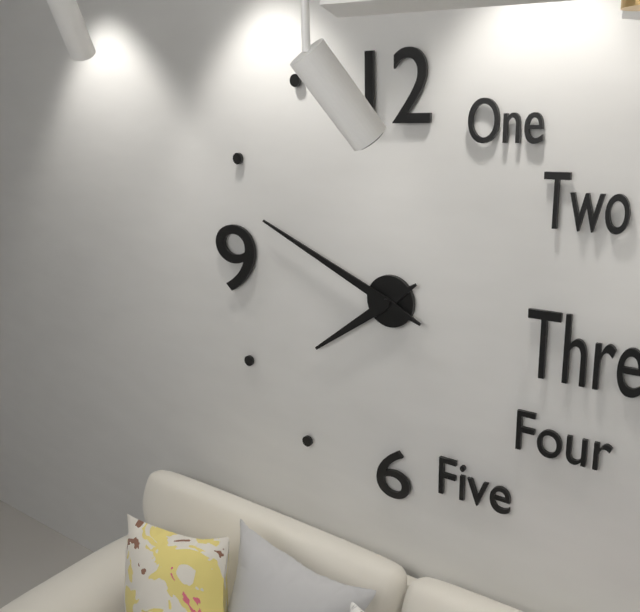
7:49
